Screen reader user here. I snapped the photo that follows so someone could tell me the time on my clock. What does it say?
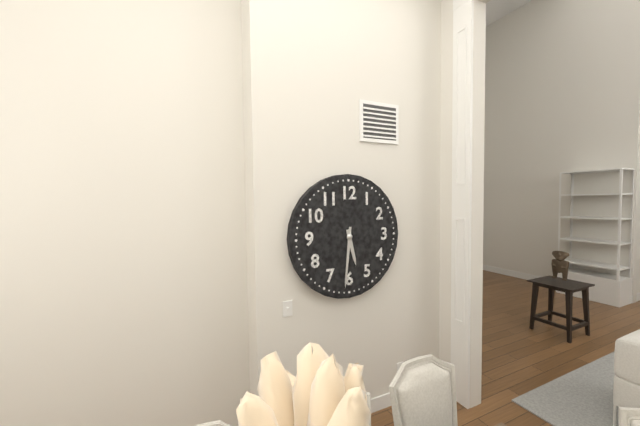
5:31
